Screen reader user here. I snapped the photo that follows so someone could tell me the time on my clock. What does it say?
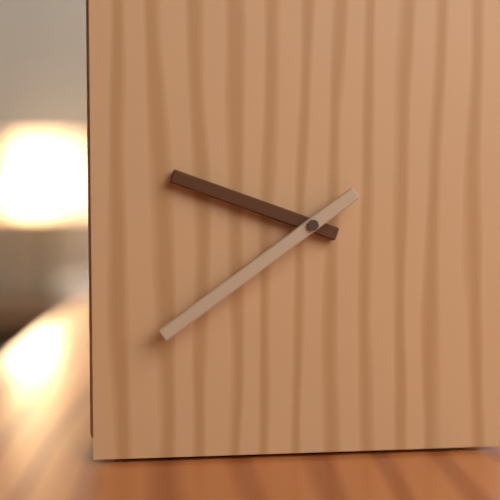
9:39
